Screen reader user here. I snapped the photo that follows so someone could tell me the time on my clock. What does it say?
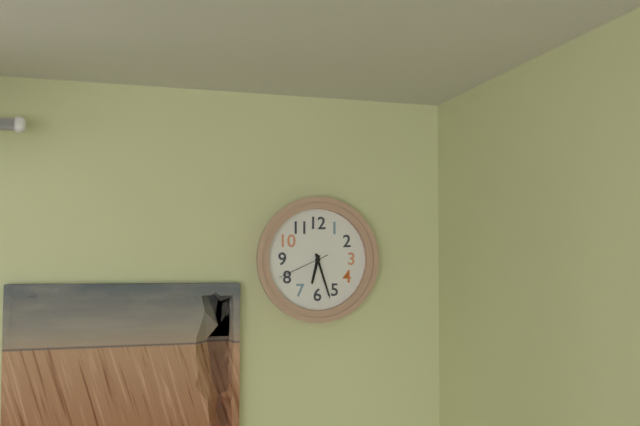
6:27:41
